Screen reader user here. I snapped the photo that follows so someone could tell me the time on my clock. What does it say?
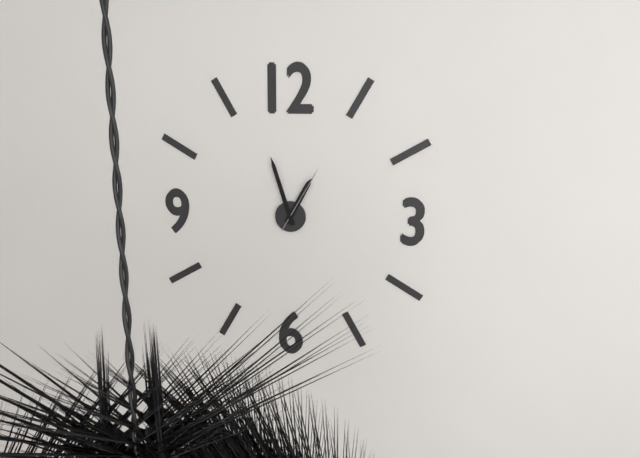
12:57:05
